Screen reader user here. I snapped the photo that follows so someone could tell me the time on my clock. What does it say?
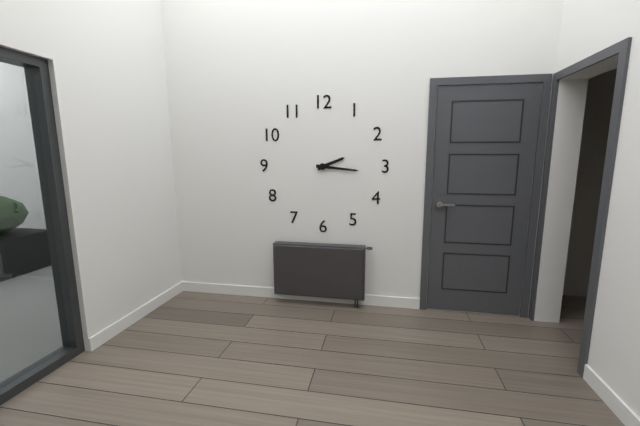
2:16
